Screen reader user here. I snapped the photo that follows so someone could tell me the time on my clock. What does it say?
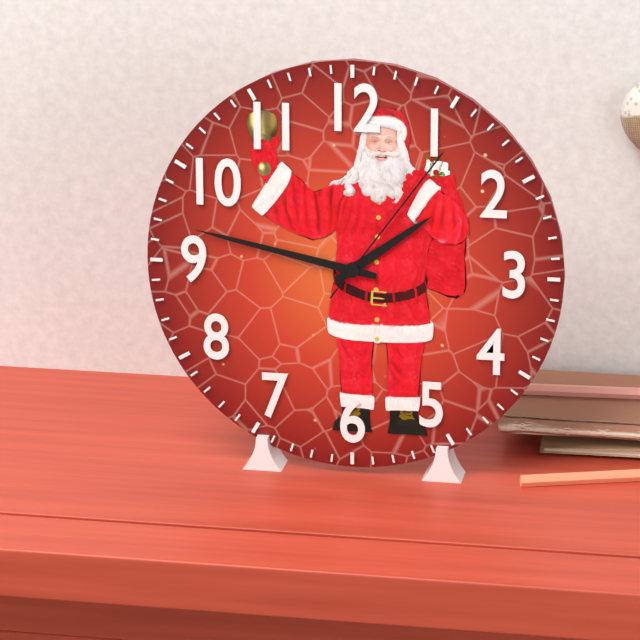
1:47:06
